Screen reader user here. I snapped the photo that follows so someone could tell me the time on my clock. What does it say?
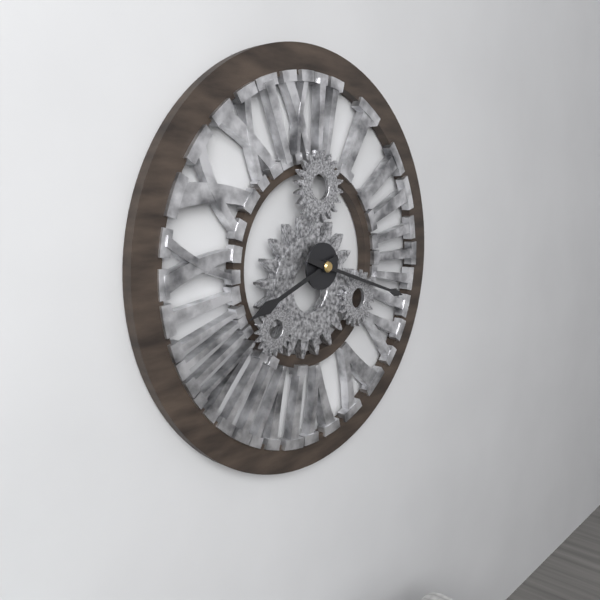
8:18
